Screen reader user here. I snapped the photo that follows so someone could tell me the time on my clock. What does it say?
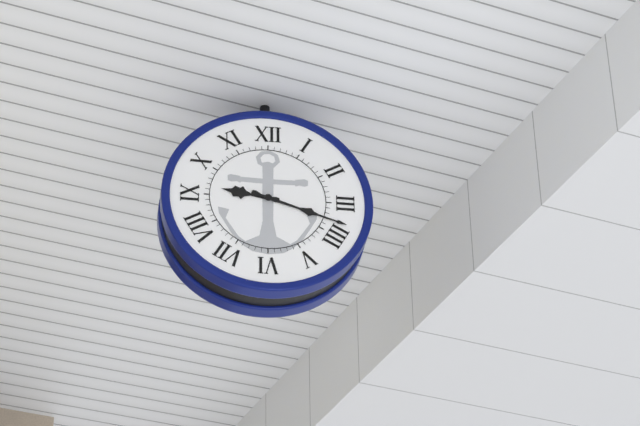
9:18
